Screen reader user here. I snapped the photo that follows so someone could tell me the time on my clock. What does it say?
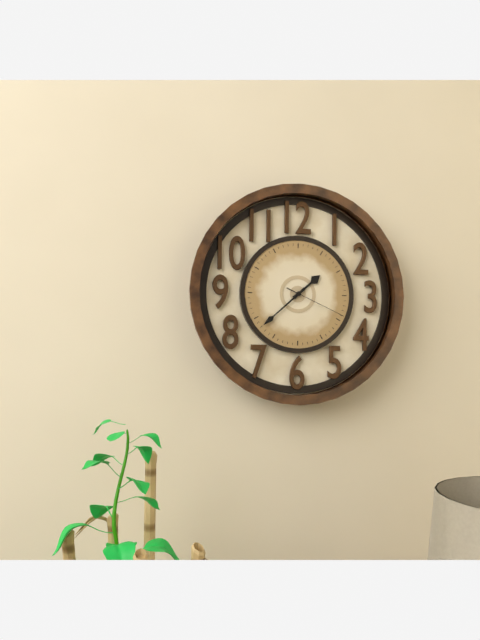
1:38:19
